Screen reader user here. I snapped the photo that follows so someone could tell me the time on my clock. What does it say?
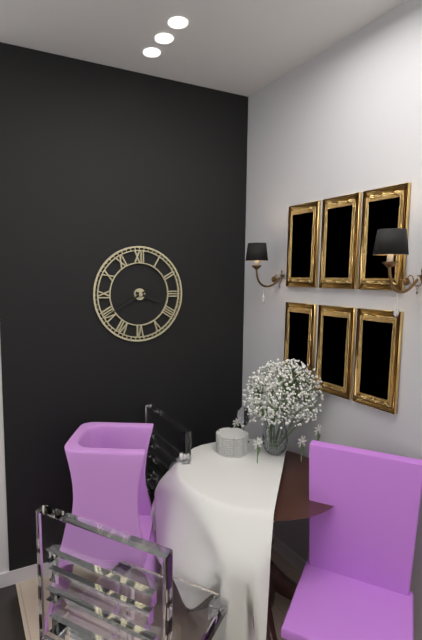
3:40
